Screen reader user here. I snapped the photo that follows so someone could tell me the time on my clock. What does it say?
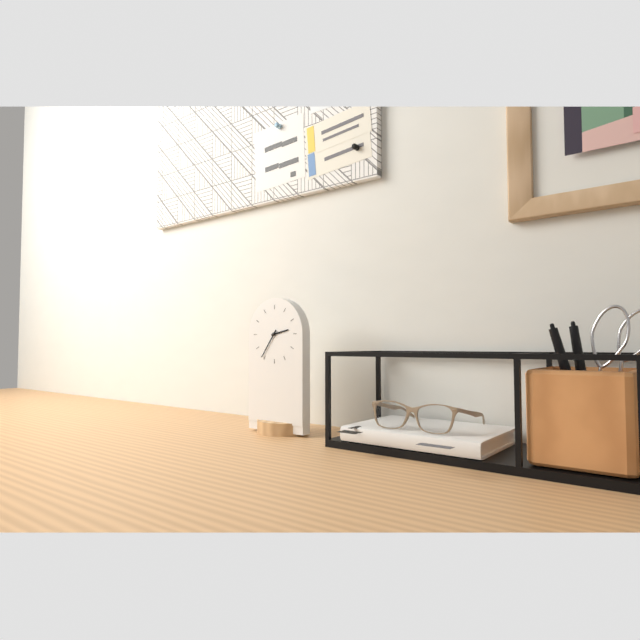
2:36
